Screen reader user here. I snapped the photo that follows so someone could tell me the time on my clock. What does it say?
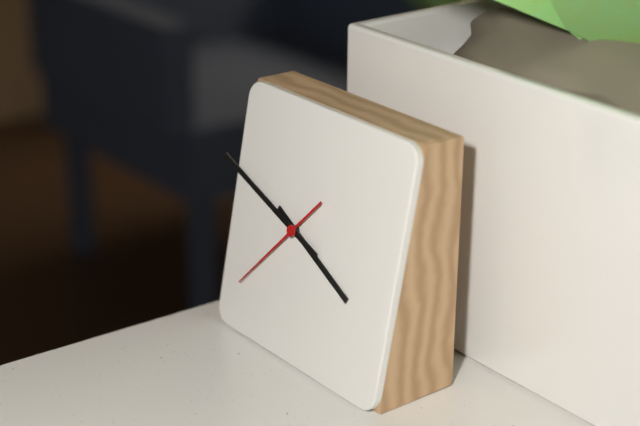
3:48:37
